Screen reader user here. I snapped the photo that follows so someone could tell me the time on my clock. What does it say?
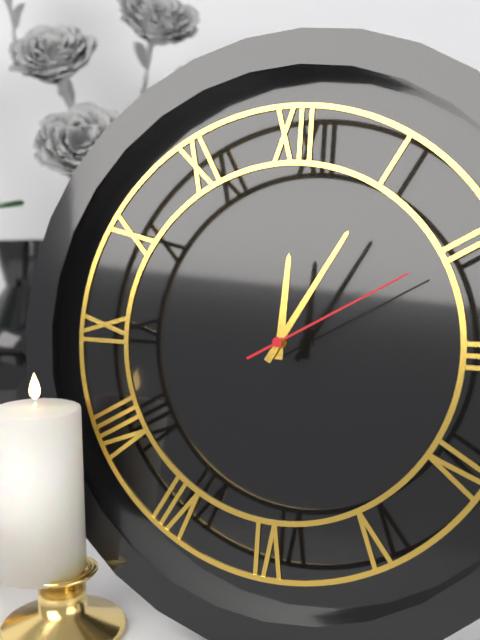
12:05:10
